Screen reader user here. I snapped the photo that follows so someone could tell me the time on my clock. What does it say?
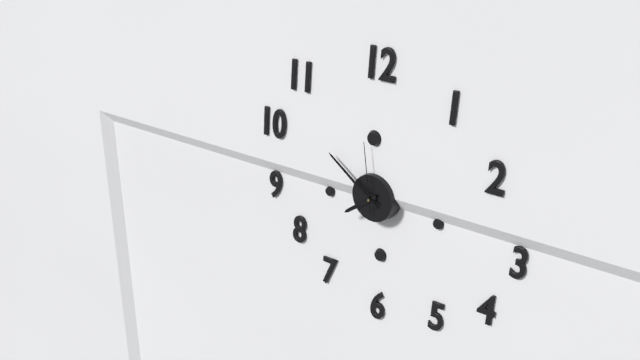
7:51:59
